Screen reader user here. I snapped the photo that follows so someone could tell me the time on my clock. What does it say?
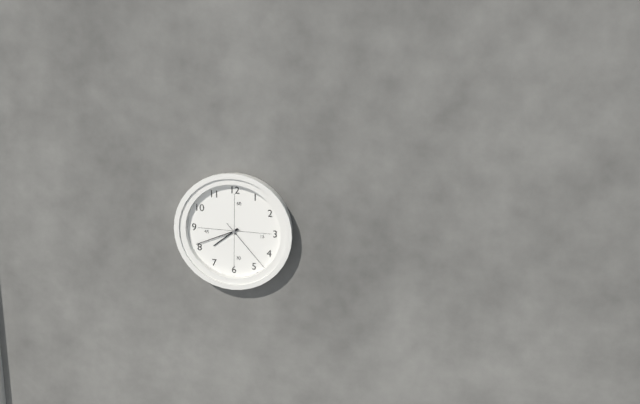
7:41:23
